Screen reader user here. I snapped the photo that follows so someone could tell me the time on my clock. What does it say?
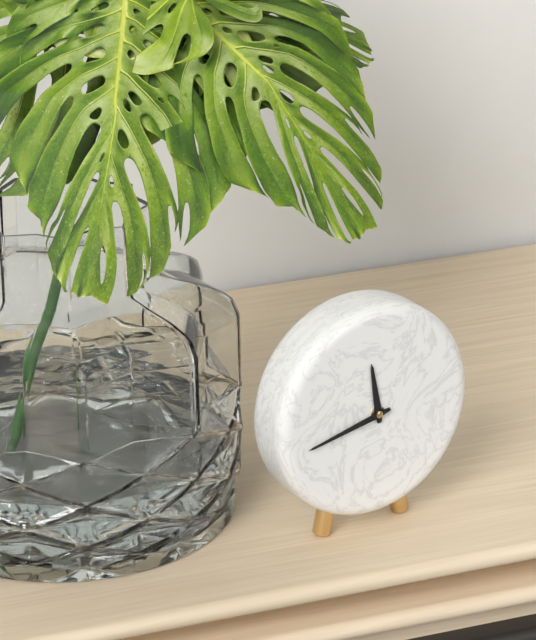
11:43
